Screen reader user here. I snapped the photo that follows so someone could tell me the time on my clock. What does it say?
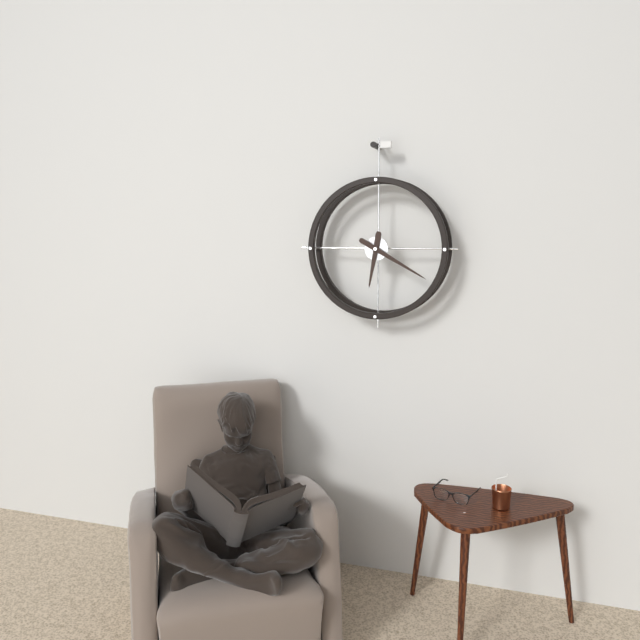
6:20
